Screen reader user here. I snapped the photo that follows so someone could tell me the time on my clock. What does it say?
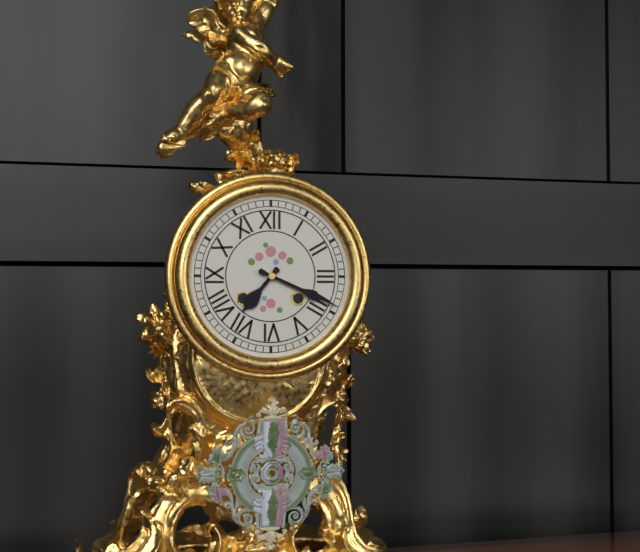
7:19
